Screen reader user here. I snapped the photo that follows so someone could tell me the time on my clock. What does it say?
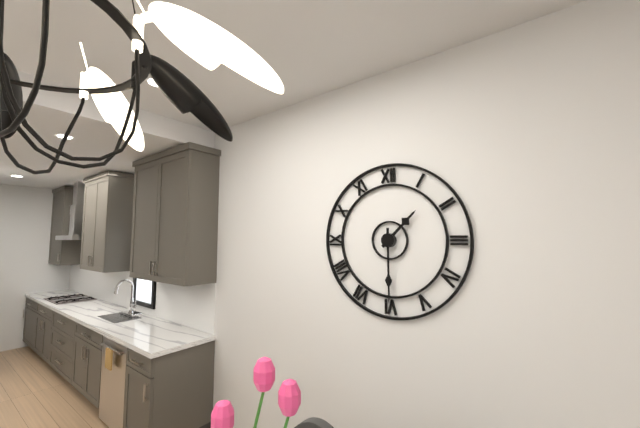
1:30
